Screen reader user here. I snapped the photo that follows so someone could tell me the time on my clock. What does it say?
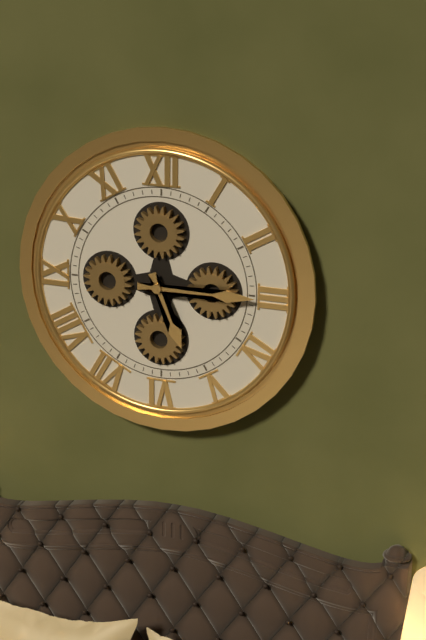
5:15
